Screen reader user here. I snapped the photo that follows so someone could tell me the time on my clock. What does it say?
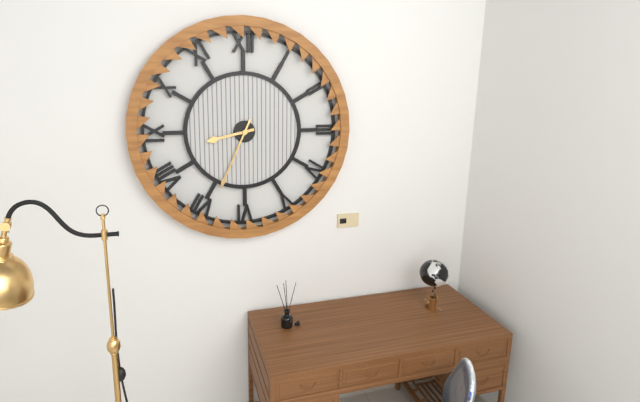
8:34
